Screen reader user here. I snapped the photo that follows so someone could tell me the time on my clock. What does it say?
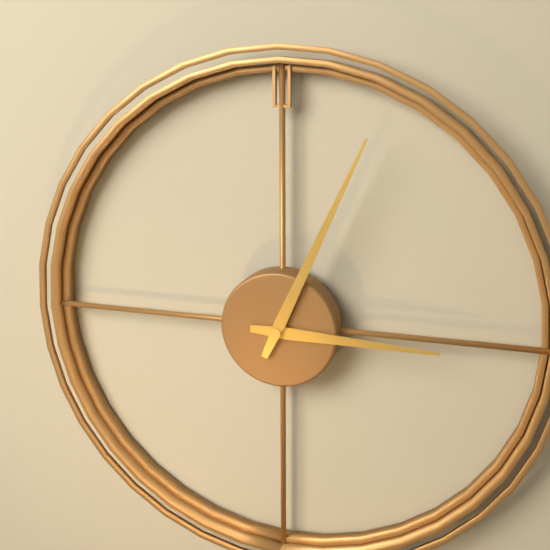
3:04
